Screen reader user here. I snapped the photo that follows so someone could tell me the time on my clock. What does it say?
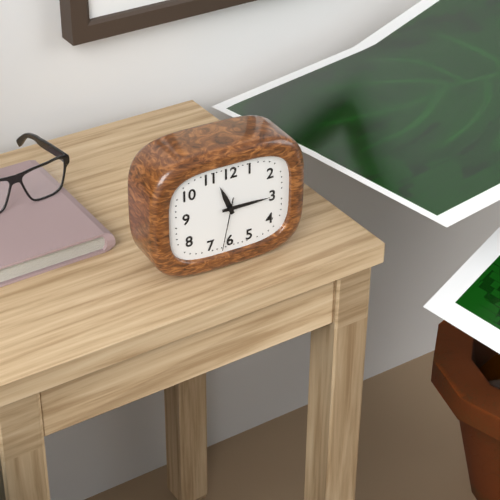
11:15:32
